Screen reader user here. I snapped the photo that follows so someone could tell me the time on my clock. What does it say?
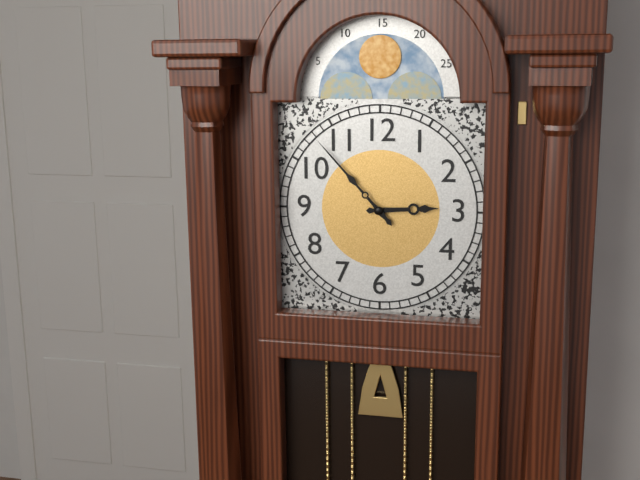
2:53
